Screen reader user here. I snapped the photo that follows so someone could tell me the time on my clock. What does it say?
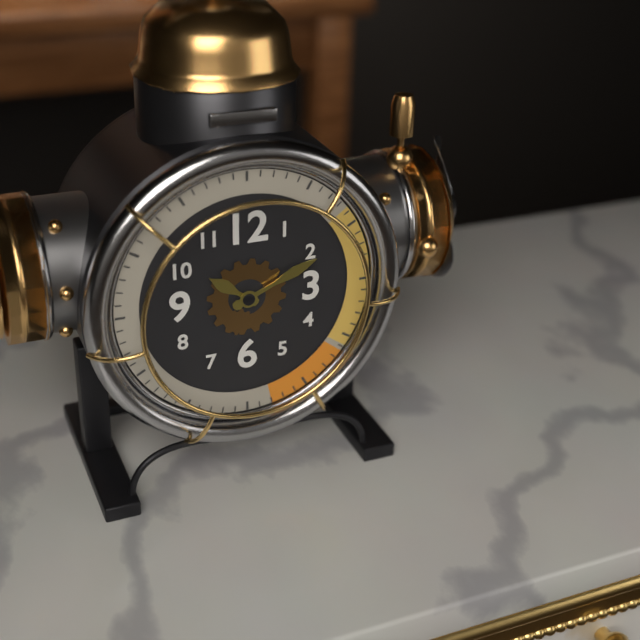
10:11
